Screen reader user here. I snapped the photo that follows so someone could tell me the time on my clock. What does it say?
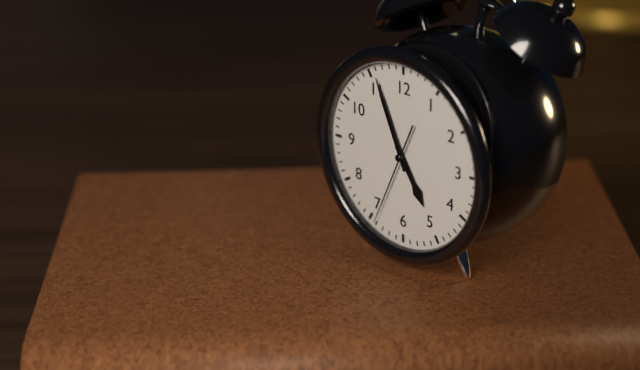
4:56:34
